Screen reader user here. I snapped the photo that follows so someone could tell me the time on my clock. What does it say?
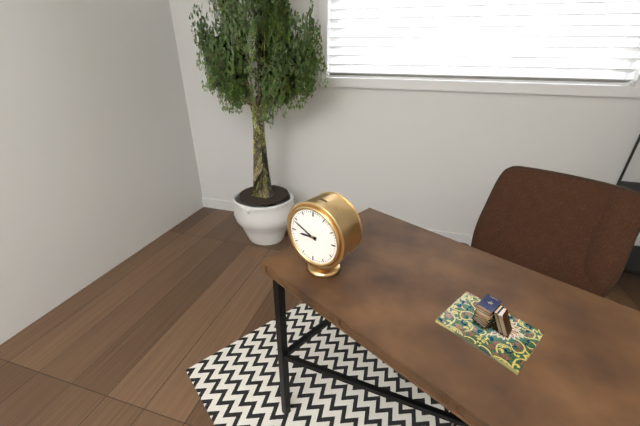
8:49
